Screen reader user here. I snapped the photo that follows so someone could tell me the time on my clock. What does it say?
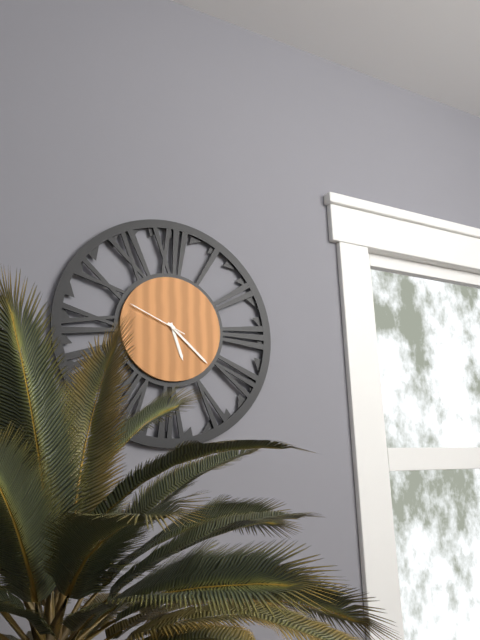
5:22:49
